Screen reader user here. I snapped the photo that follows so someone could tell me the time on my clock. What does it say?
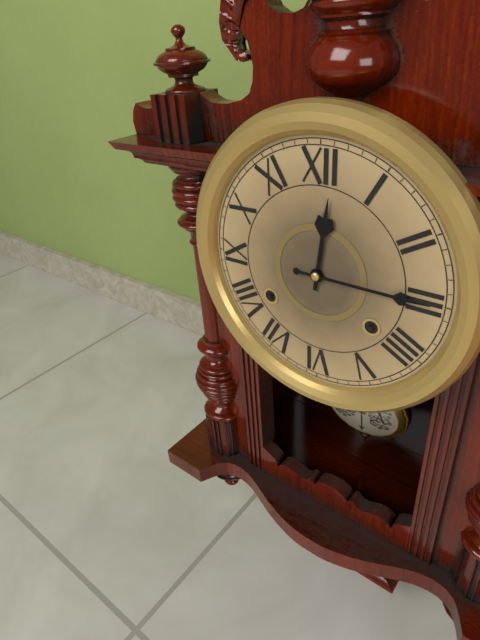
12:15
